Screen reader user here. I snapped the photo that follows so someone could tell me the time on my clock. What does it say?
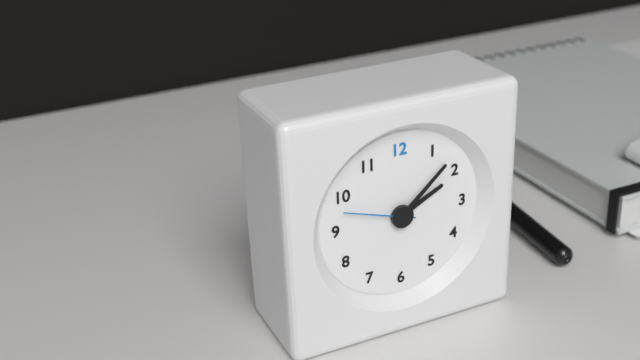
2:08:48
